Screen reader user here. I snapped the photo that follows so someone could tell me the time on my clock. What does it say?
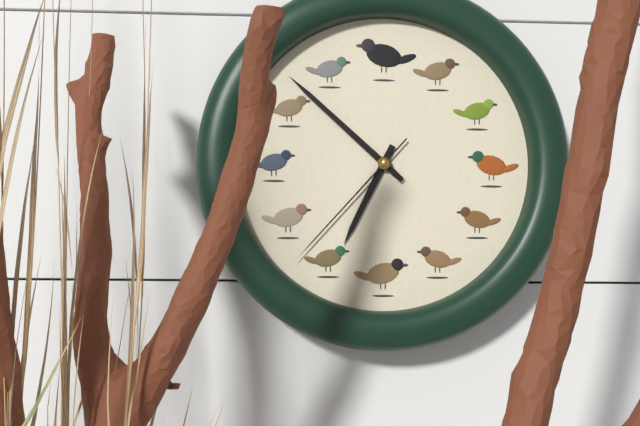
6:52:37
